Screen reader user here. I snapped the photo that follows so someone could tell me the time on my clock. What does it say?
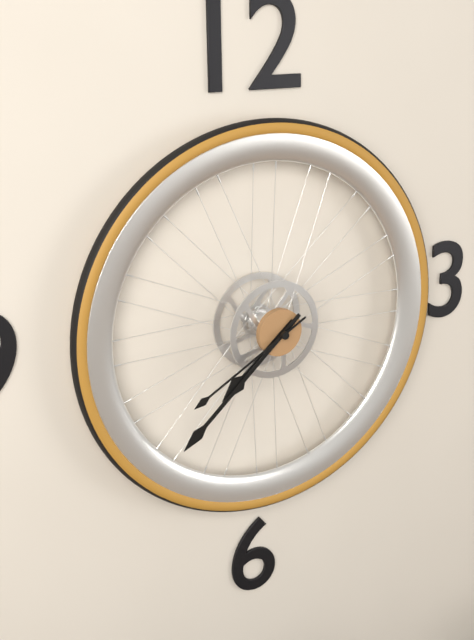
7:38:40
